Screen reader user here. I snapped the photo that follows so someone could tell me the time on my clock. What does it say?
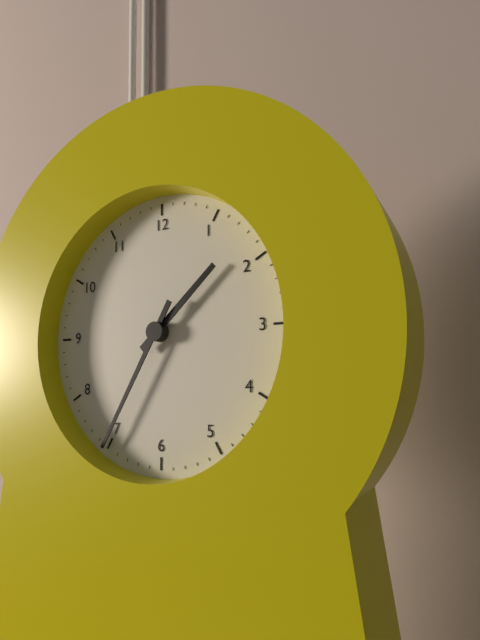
1:35
